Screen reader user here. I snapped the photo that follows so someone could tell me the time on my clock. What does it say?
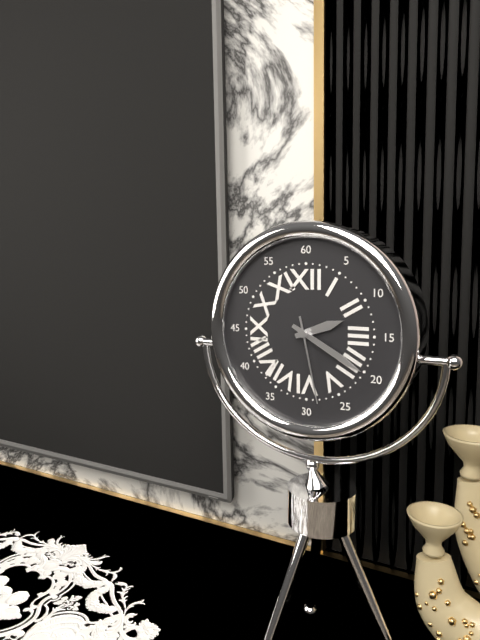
2:20:28
